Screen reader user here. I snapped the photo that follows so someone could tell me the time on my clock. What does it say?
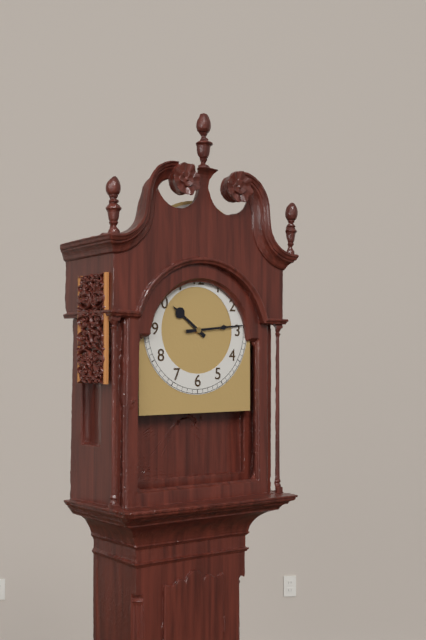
10:14
